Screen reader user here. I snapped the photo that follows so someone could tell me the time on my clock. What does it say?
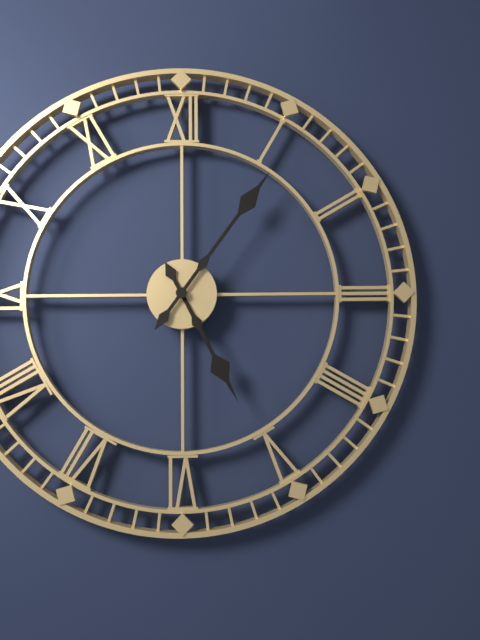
5:06
